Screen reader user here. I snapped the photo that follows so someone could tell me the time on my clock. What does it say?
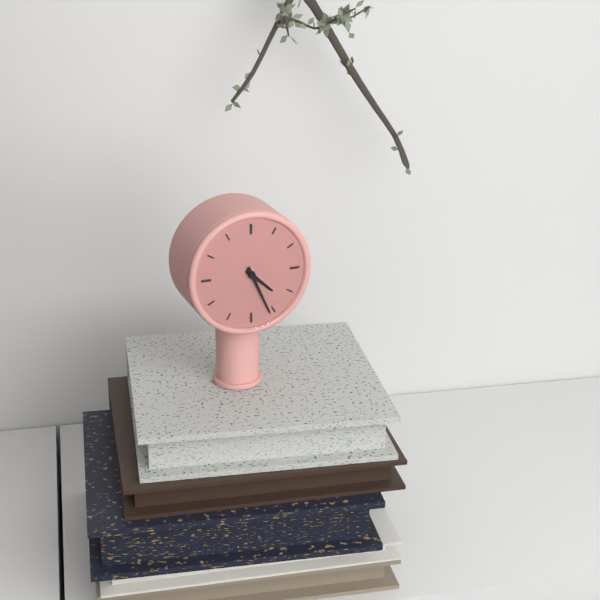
4:26
